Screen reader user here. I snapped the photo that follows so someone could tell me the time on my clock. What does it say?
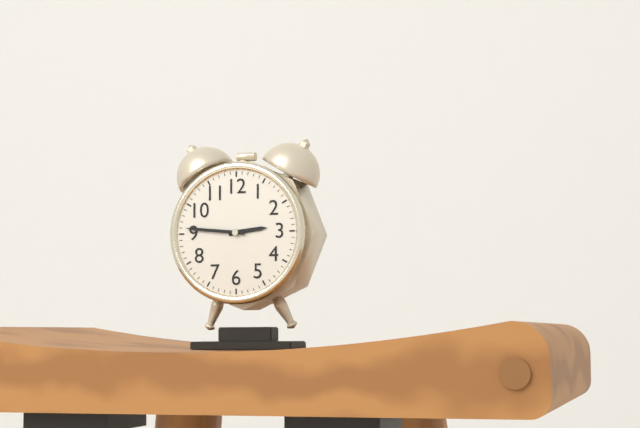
2:46
